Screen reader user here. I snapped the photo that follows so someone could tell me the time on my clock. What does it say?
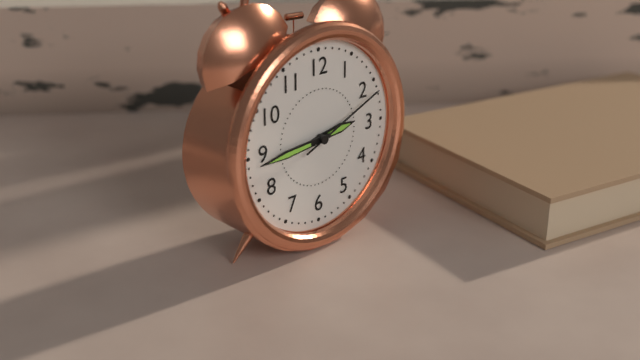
2:44:11
